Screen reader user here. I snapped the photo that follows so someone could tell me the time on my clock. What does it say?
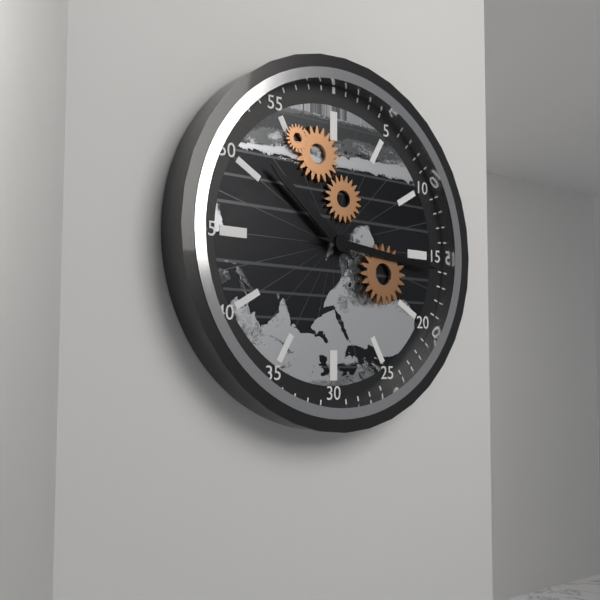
10:16
